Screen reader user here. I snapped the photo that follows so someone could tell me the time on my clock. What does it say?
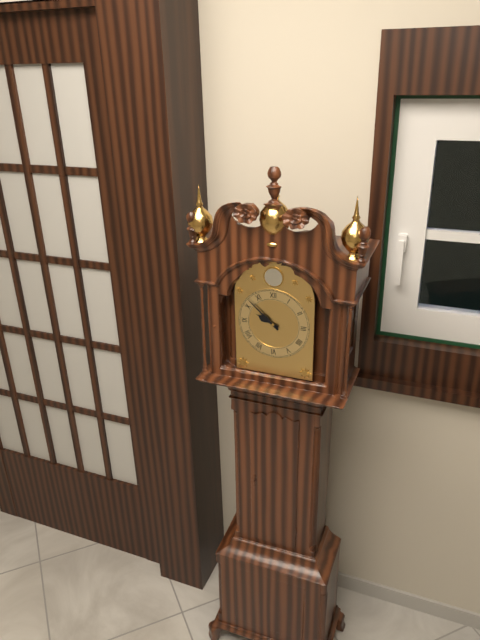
9:52
